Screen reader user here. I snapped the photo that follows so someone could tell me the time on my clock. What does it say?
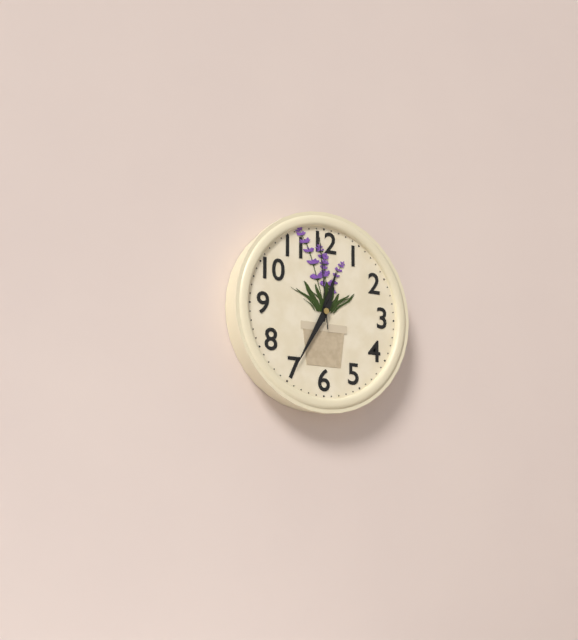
12:35:59
